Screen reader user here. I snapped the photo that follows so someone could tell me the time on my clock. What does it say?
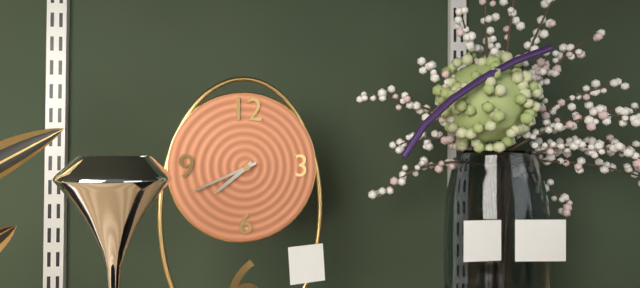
7:41
